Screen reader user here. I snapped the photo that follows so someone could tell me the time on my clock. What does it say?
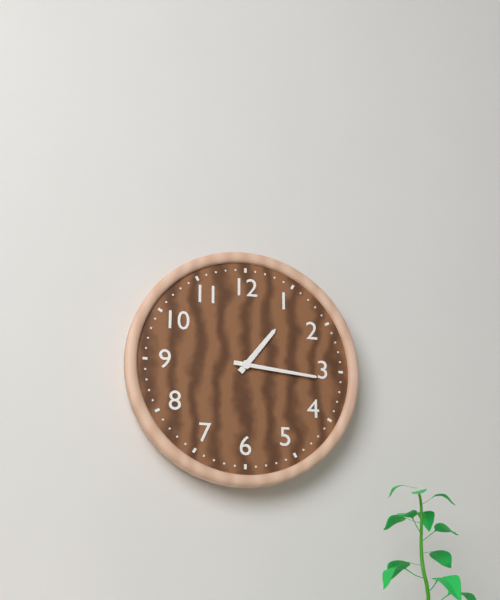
1:16
